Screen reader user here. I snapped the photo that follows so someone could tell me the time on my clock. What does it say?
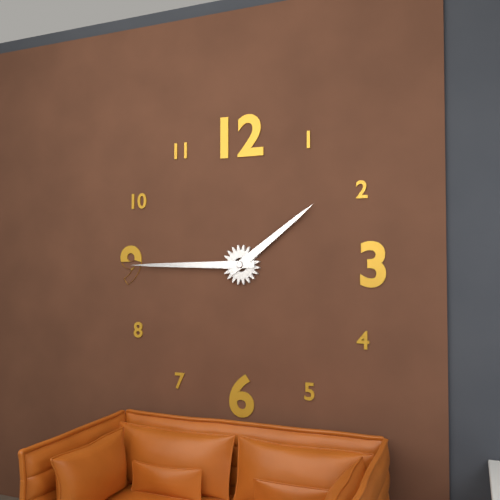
1:45
